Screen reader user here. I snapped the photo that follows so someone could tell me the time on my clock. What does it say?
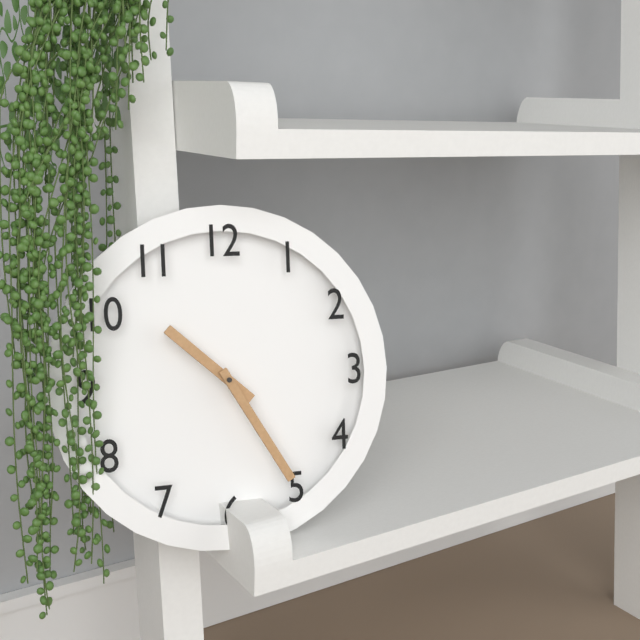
10:25
